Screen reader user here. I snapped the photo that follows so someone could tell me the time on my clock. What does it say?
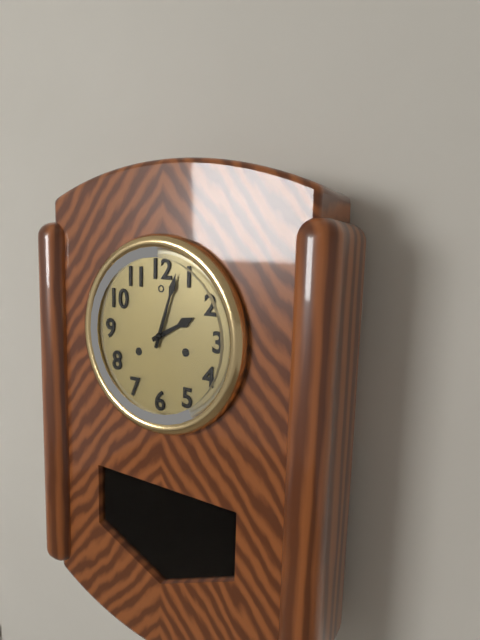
2:03
